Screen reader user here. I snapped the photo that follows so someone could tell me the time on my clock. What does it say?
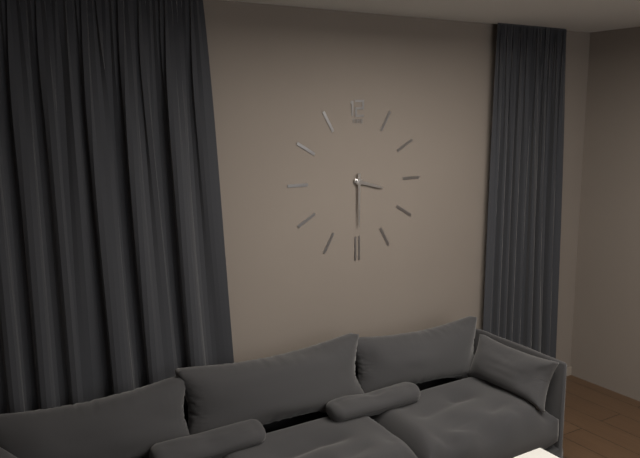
3:30
